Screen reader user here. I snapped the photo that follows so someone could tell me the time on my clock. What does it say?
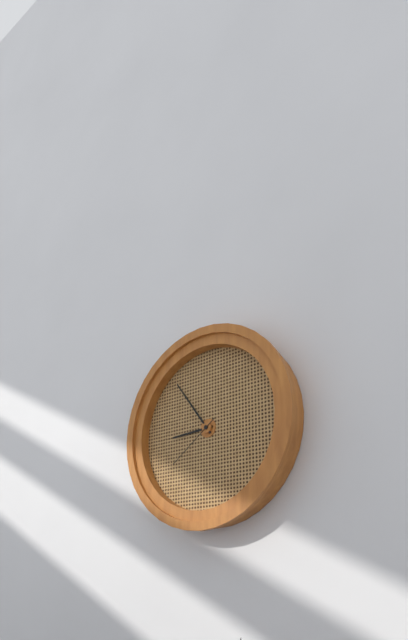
8:54:39
